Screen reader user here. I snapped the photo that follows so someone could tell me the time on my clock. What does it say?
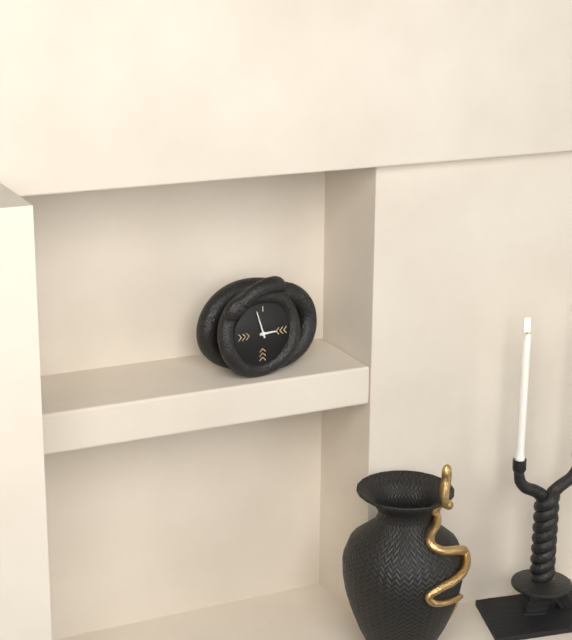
2:57
